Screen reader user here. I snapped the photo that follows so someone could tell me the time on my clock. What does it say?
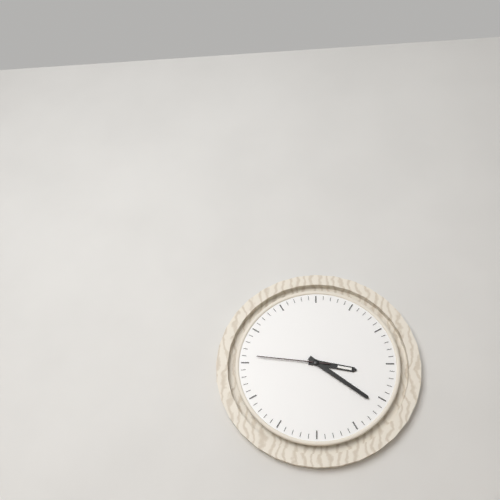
3:21:46
